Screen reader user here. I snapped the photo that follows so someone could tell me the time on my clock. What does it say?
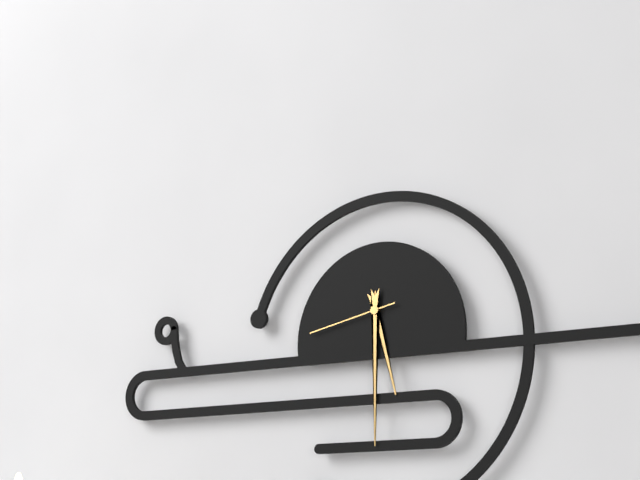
5:30:43
